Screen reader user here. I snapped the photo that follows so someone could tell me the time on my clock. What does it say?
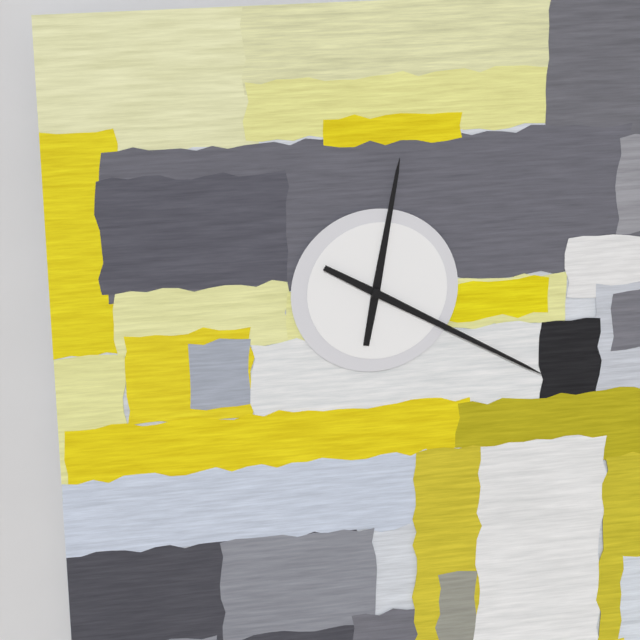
12:20
